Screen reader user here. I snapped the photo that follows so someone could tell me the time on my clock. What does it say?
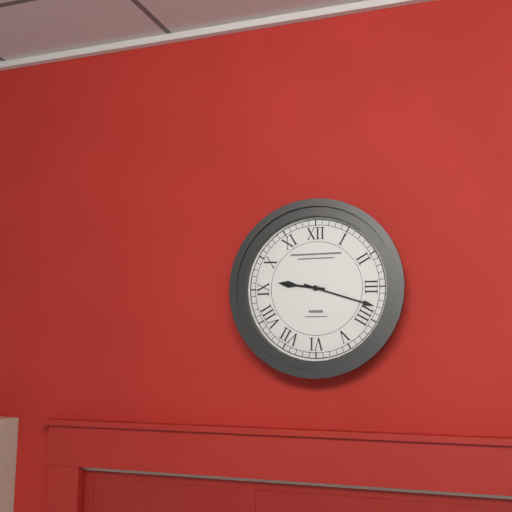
9:18
